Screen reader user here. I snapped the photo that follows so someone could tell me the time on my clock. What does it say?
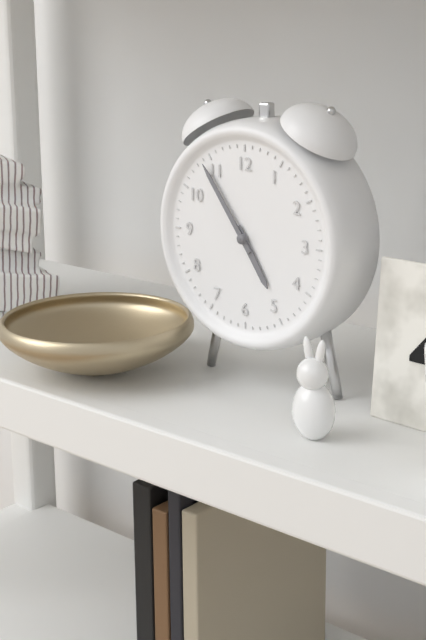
4:54
